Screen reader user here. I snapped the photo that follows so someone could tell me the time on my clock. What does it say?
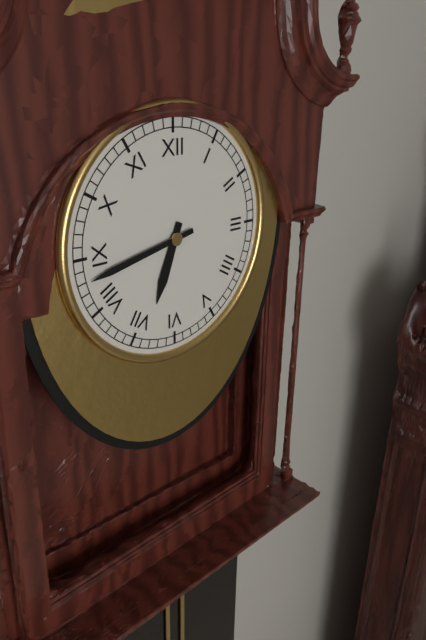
6:43
